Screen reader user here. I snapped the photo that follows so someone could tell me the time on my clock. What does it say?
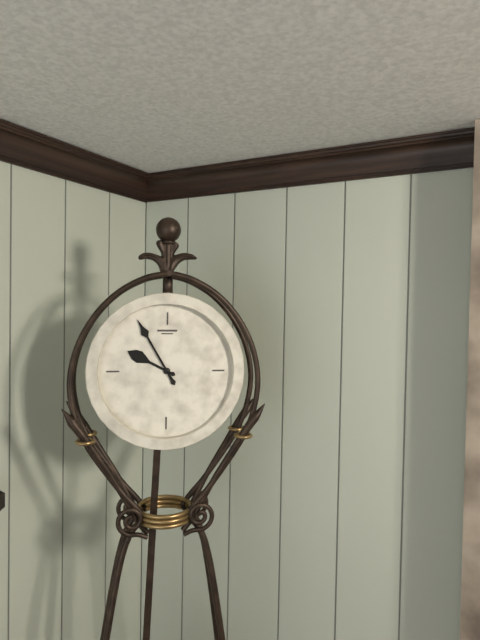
9:55
